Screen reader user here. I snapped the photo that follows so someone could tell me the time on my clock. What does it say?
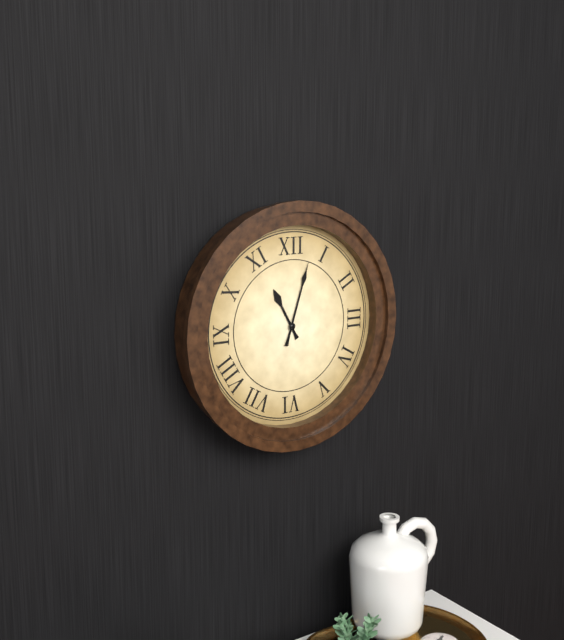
11:03
